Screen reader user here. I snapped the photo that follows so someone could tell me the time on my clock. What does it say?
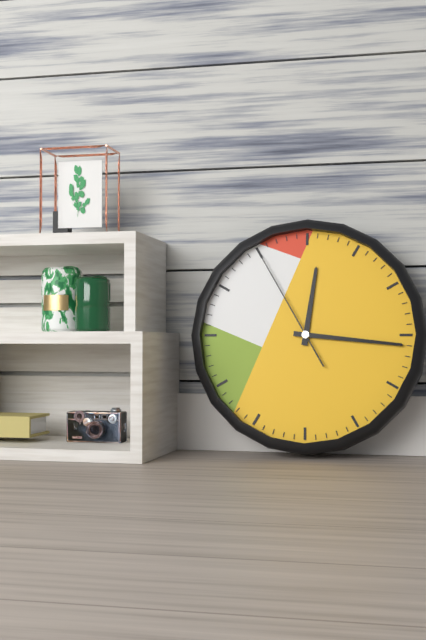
12:16:55
